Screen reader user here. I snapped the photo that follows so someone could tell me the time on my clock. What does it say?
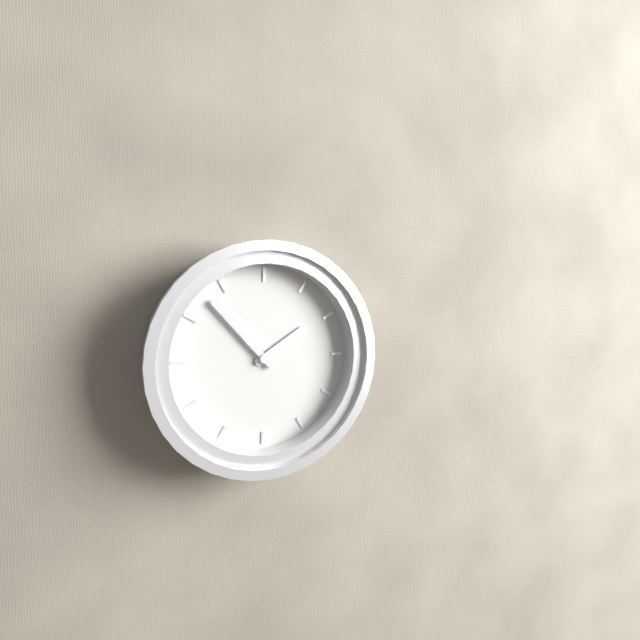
1:53
